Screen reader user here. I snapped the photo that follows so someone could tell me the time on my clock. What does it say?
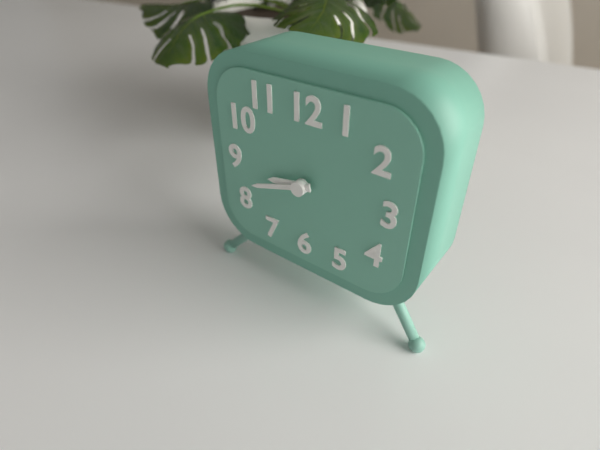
8:42
